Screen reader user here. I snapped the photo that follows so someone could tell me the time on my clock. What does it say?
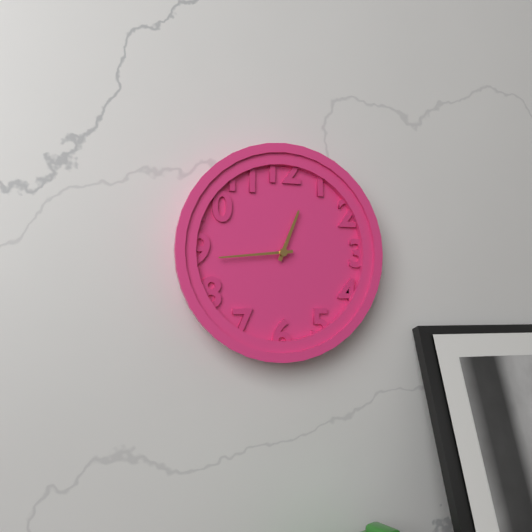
12:44
